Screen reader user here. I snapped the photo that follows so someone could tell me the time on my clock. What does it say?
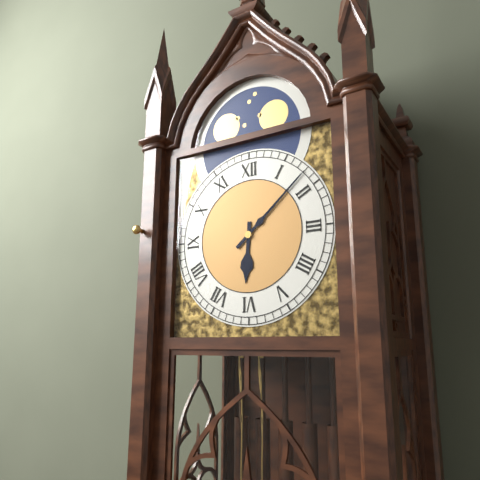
6:08
